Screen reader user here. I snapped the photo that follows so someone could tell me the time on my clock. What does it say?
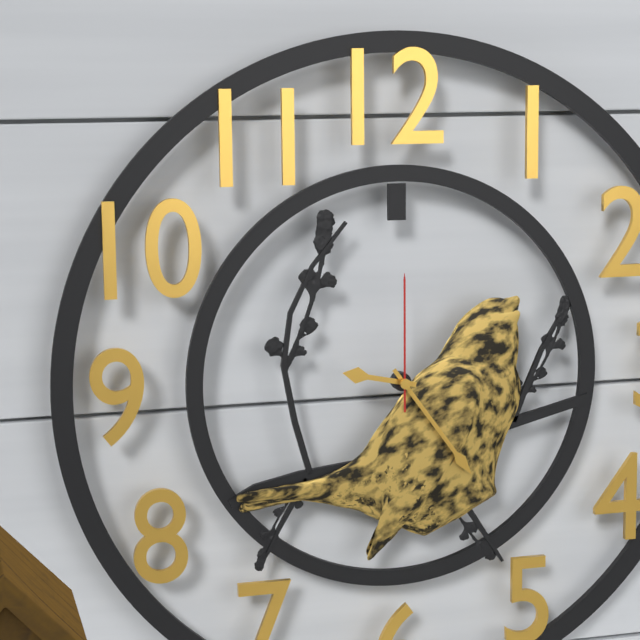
9:24:00
